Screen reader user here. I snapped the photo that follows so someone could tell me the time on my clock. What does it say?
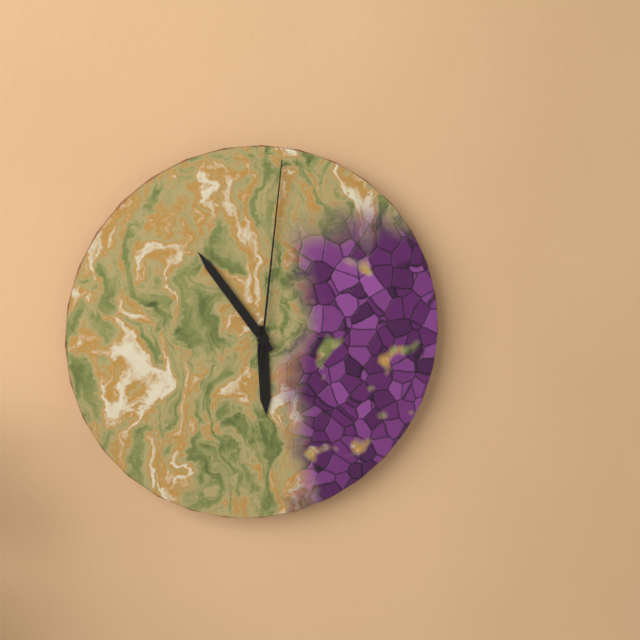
5:54:01
